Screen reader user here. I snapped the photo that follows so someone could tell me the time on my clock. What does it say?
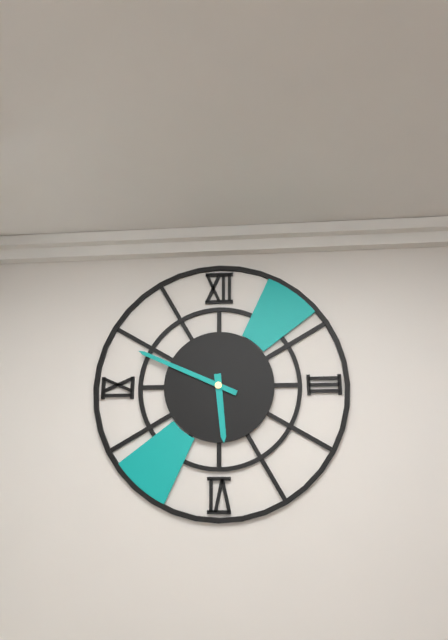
5:49
